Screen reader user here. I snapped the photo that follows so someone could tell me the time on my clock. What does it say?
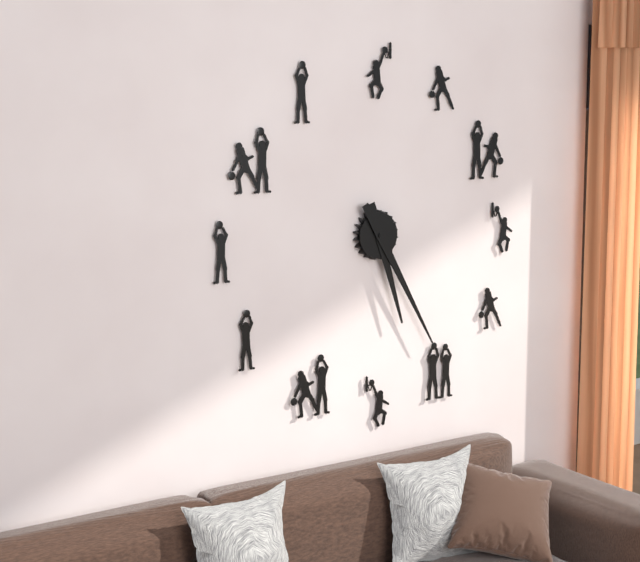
5:25
